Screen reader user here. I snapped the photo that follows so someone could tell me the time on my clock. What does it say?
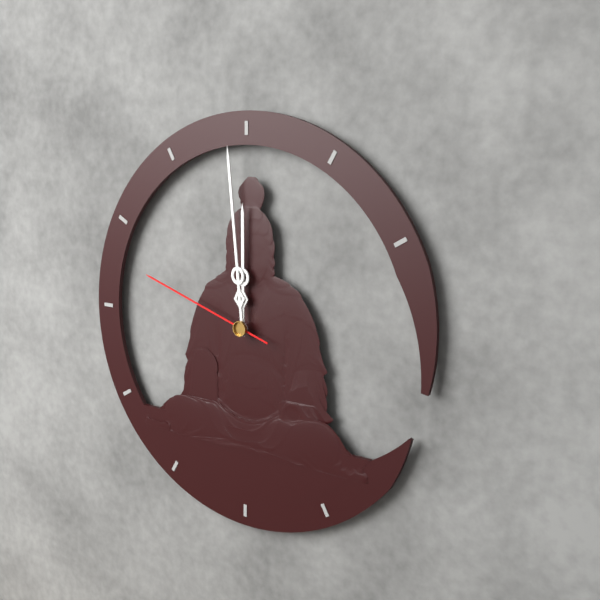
11:59:48
